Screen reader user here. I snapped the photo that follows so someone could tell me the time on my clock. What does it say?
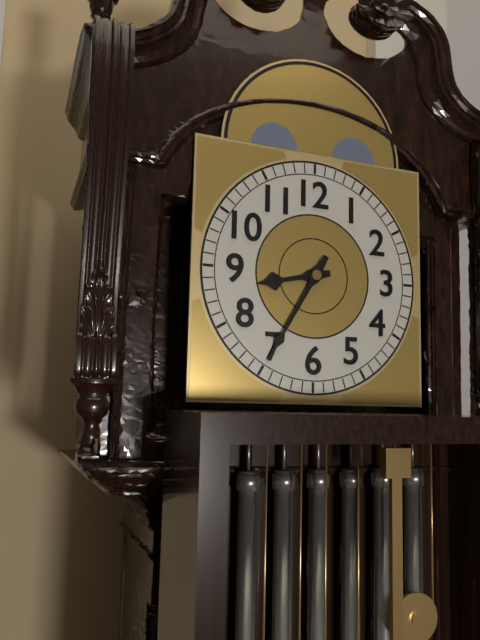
8:35
